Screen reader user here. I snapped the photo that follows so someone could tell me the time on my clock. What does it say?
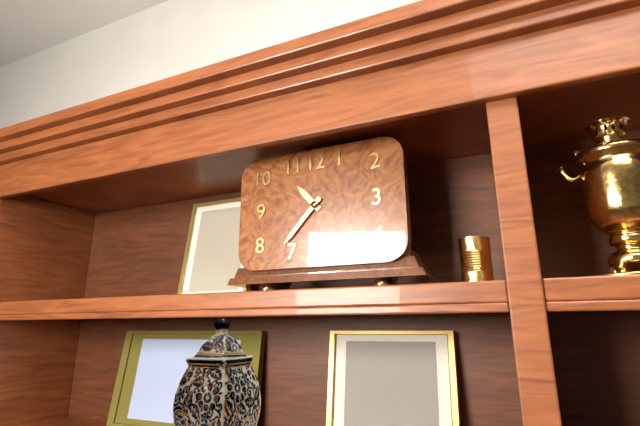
10:37
